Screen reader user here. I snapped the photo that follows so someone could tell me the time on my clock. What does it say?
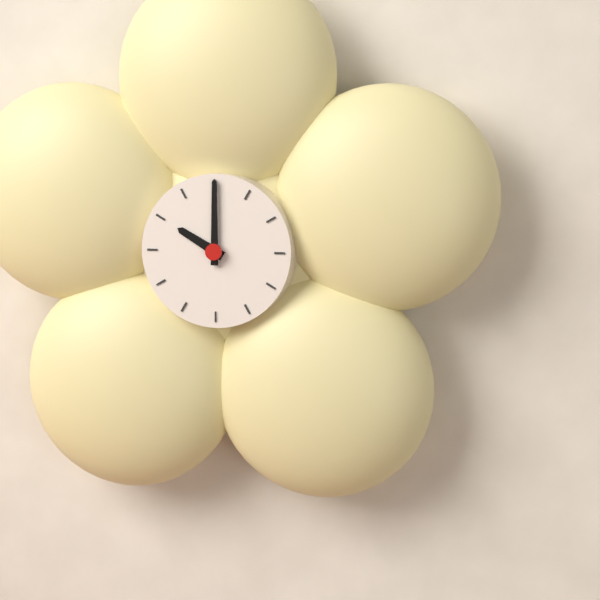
10:00
